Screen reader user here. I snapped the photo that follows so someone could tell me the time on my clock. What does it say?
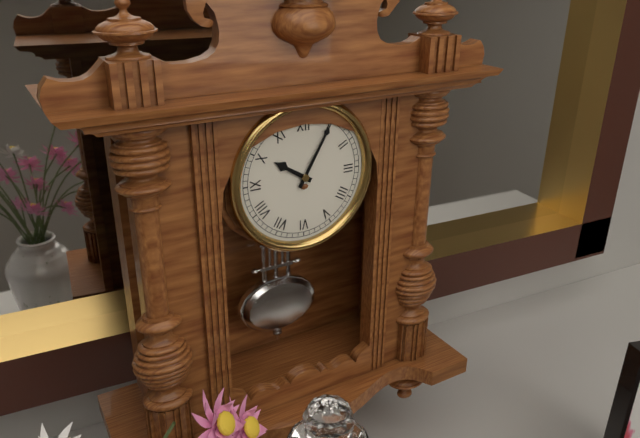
10:05
